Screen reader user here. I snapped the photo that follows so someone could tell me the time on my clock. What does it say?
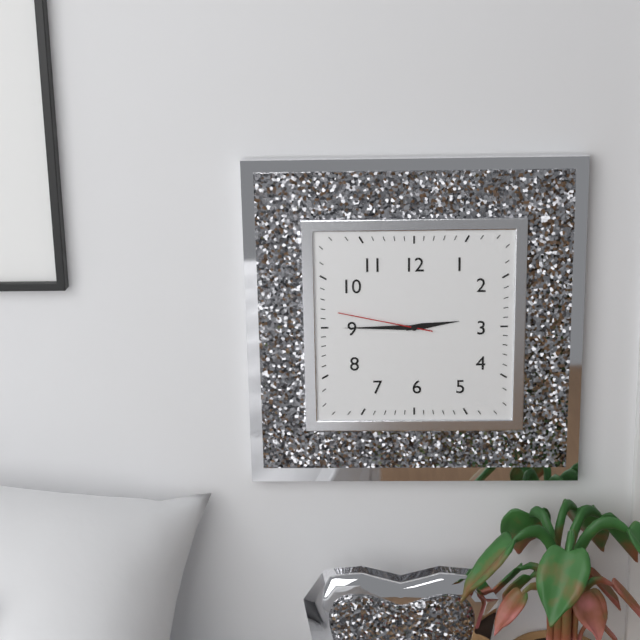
2:45:47
